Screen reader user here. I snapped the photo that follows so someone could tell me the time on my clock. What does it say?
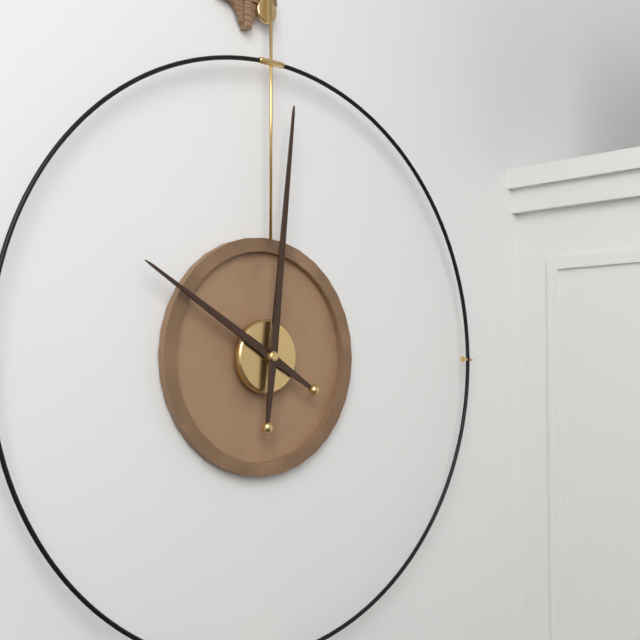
10:01
